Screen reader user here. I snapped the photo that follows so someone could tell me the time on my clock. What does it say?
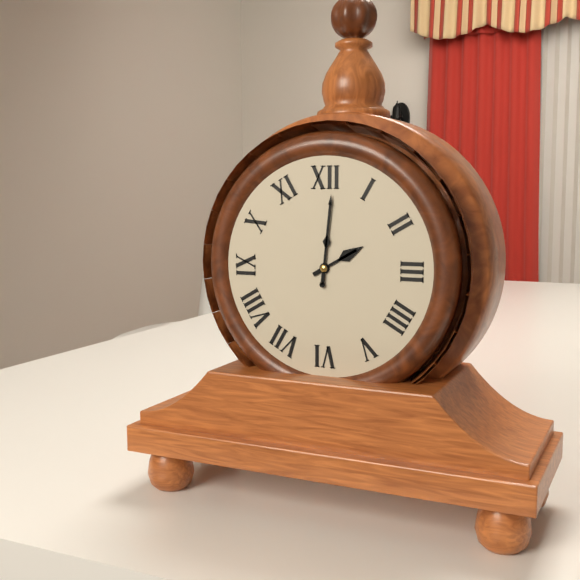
2:01
